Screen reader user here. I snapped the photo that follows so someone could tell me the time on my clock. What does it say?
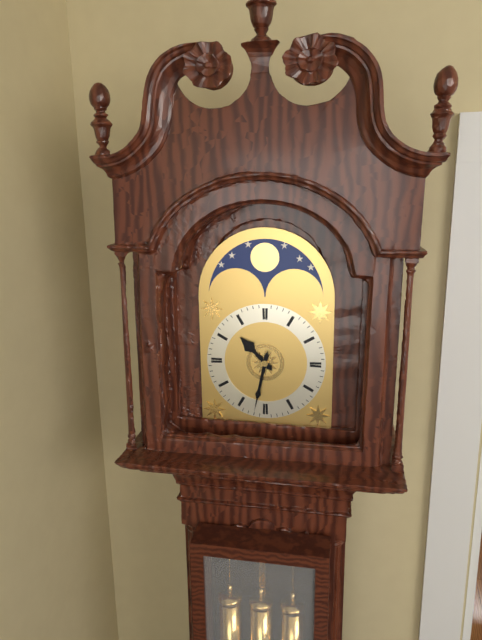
10:32
